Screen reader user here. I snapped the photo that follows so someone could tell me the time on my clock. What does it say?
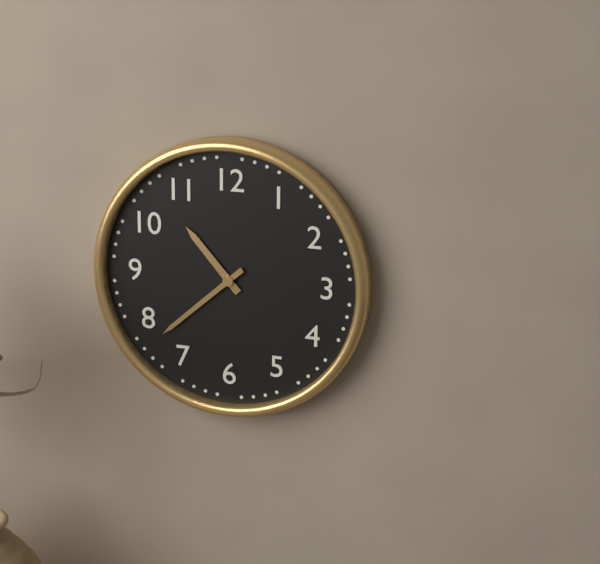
10:38
